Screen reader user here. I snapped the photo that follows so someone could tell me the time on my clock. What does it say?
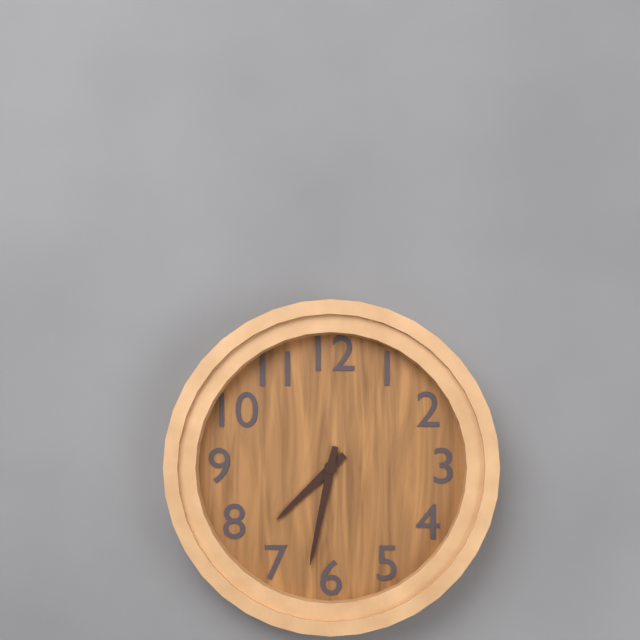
7:32
